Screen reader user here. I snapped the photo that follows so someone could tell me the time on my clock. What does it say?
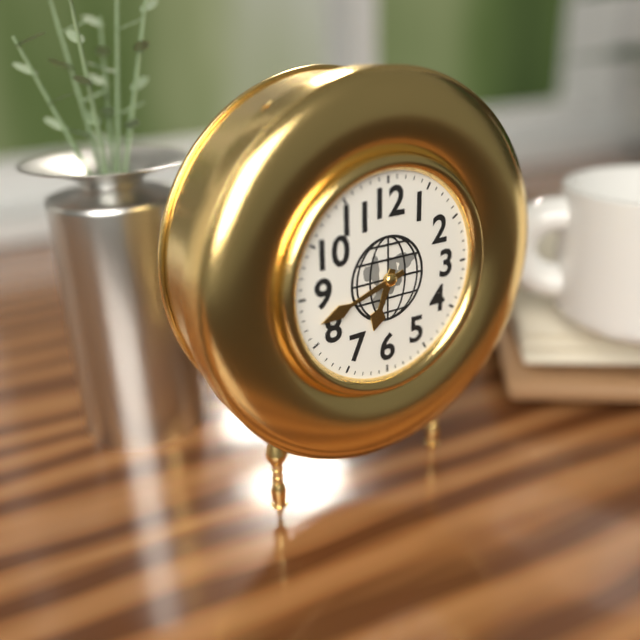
6:42
